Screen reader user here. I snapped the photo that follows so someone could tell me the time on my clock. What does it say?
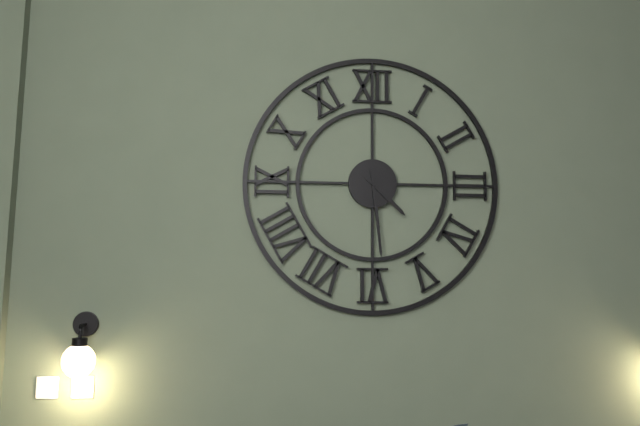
4:29
